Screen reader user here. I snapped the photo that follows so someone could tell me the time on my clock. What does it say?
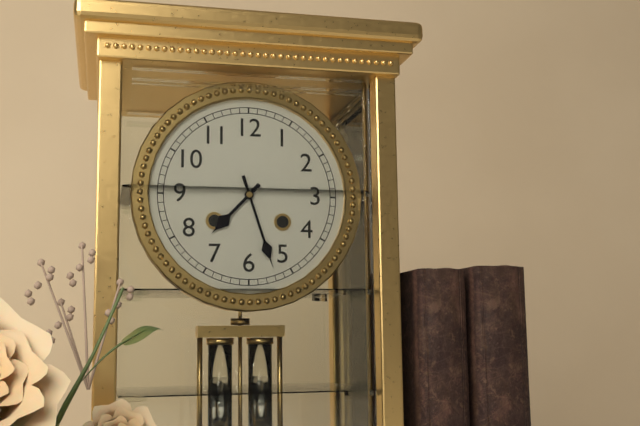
7:27
